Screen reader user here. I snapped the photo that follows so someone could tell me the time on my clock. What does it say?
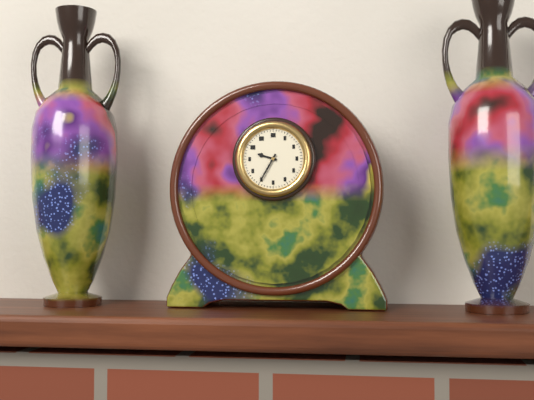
9:35
